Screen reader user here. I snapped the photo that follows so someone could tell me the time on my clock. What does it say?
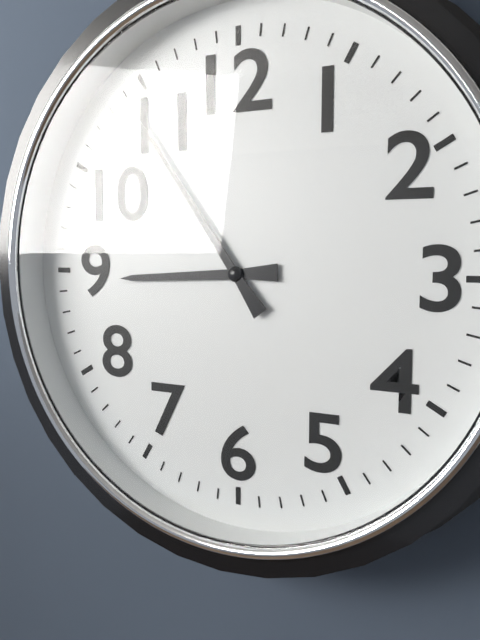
8:54
